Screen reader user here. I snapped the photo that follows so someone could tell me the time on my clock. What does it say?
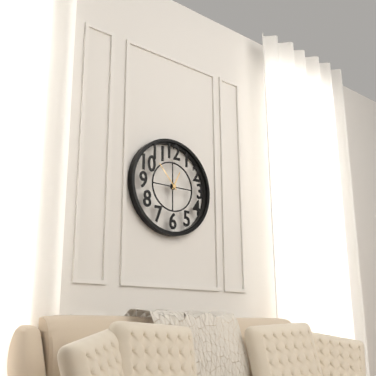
12:53
